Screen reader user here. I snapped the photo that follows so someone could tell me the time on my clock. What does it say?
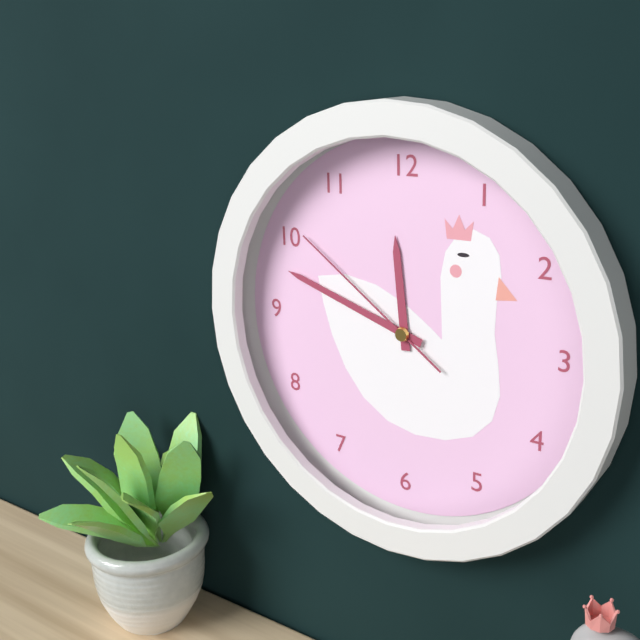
11:48:51
